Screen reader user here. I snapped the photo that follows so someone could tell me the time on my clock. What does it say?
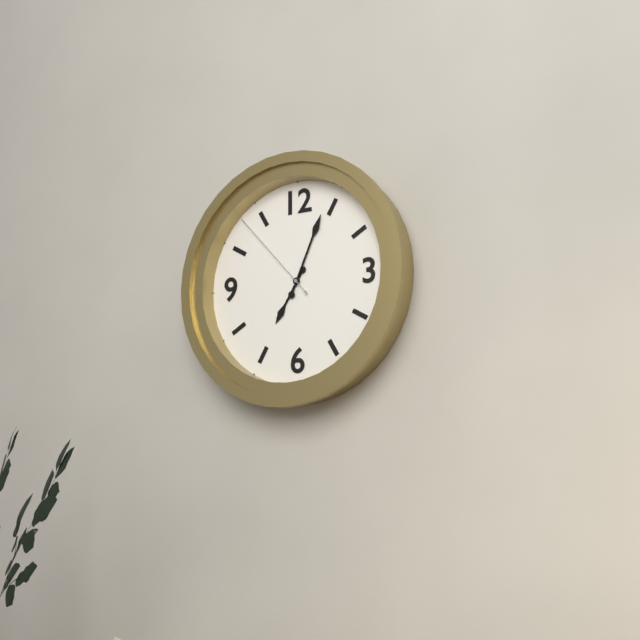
7:04:53
